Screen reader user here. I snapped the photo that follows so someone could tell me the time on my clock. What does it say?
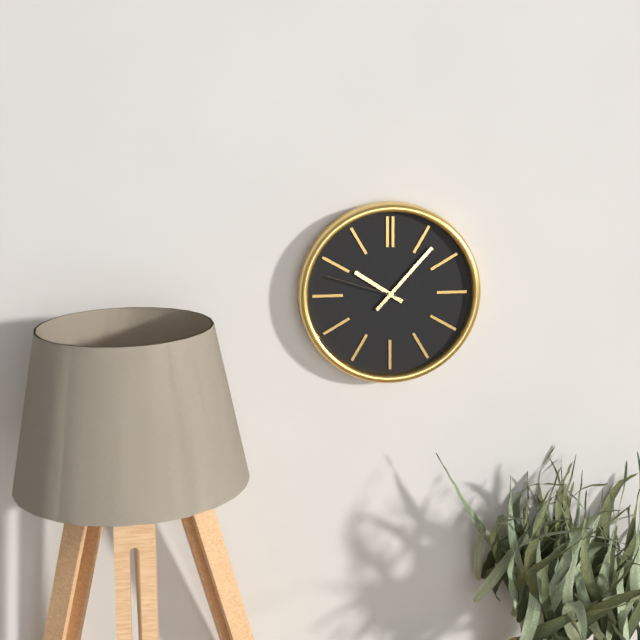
10:07:48
